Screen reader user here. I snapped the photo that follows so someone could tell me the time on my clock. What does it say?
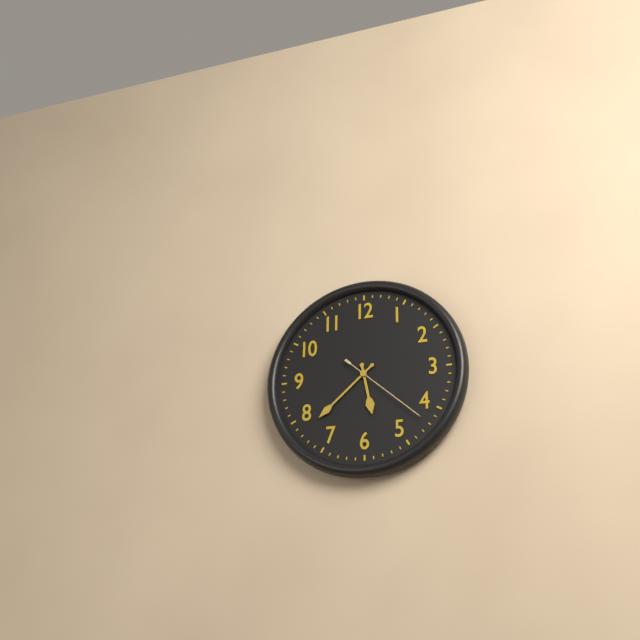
5:38:22
